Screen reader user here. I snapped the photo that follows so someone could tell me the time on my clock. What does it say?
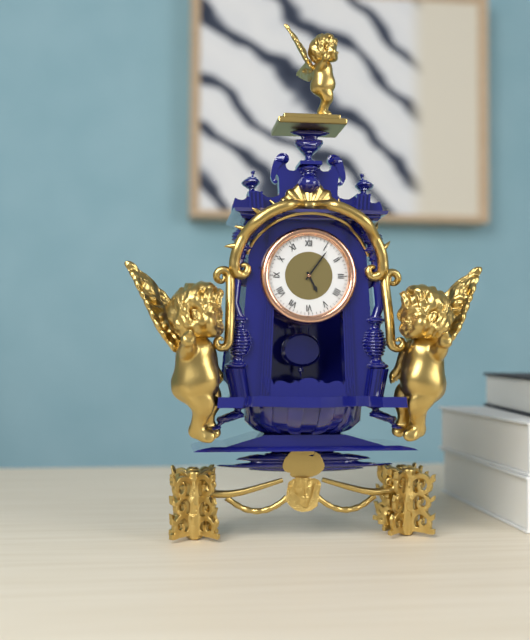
5:06
